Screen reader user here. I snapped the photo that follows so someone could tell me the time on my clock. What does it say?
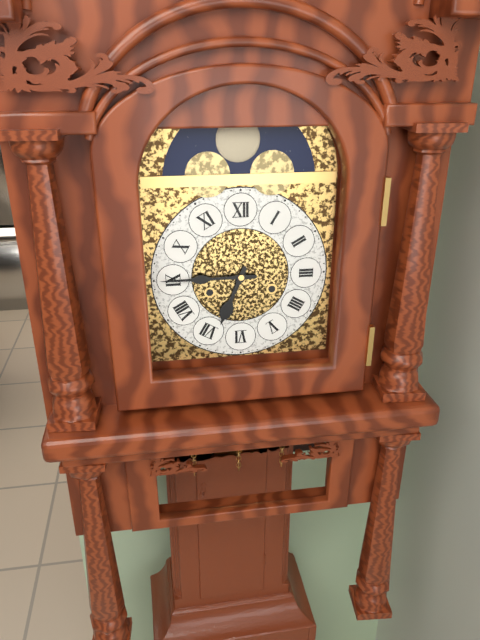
6:45
